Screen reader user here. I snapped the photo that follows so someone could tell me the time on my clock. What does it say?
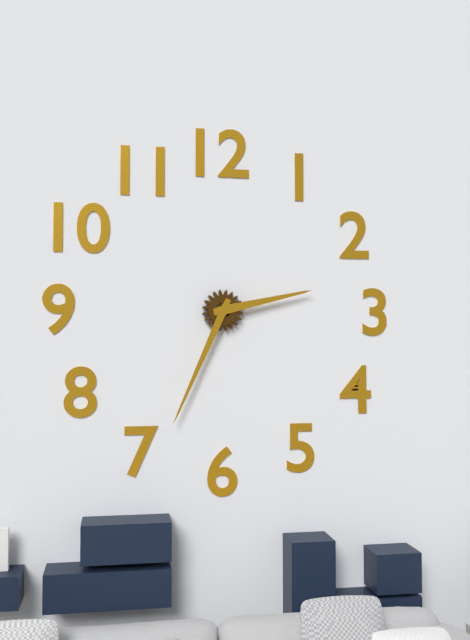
2:34
